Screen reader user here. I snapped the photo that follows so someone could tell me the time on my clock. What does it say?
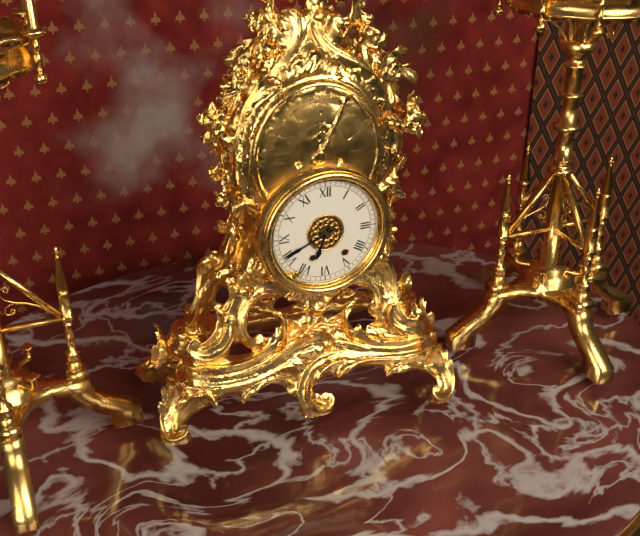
6:41
